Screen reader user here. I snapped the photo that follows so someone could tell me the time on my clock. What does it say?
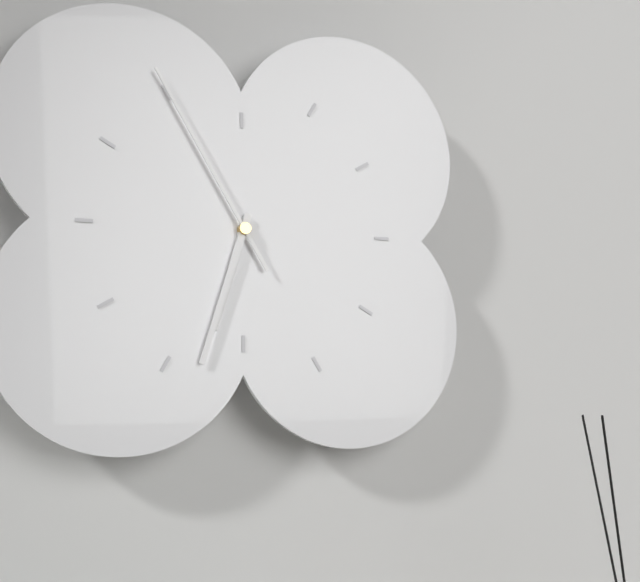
6:33:55
